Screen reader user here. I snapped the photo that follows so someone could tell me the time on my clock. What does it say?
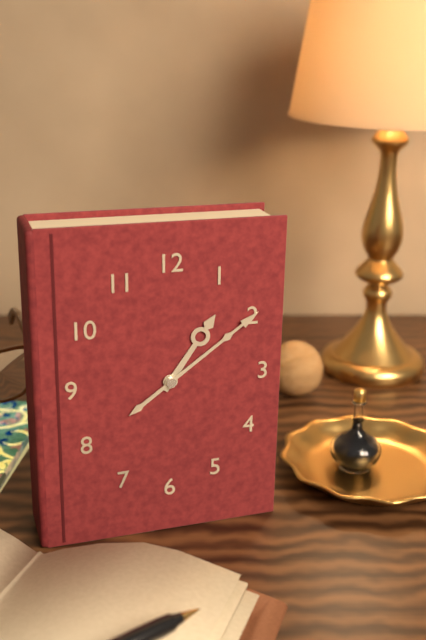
1:09
